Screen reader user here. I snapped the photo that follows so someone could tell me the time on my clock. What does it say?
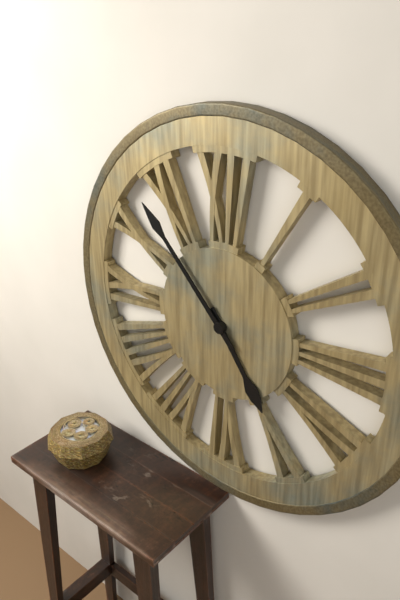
4:53
